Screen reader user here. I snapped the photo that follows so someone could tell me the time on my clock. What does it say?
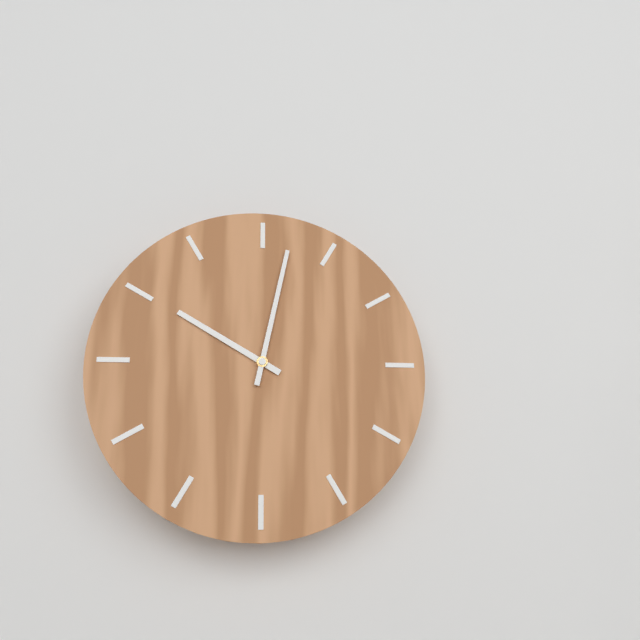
10:02
